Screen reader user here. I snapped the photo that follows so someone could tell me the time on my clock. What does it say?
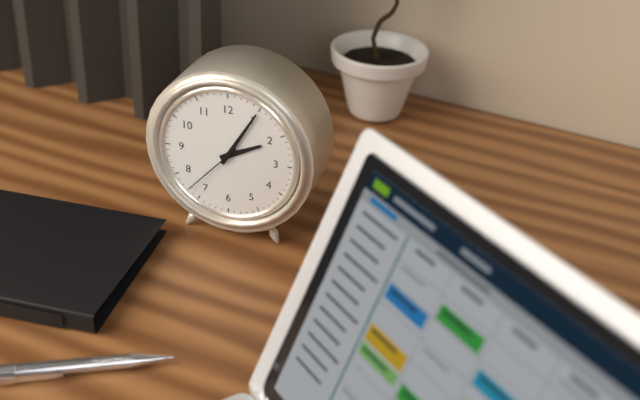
2:05:37
